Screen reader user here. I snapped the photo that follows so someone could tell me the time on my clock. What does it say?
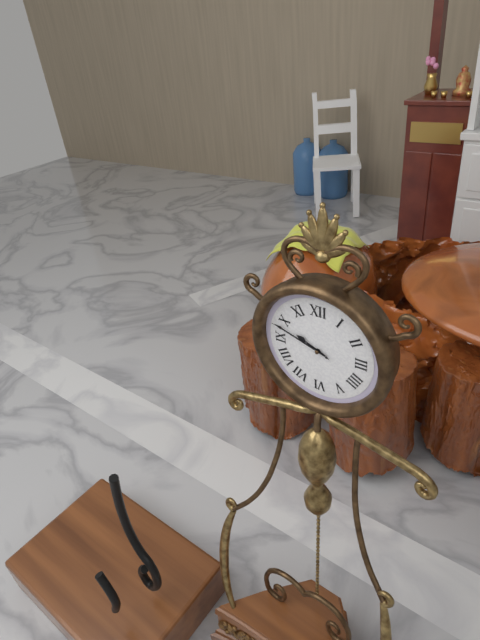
9:48:48
